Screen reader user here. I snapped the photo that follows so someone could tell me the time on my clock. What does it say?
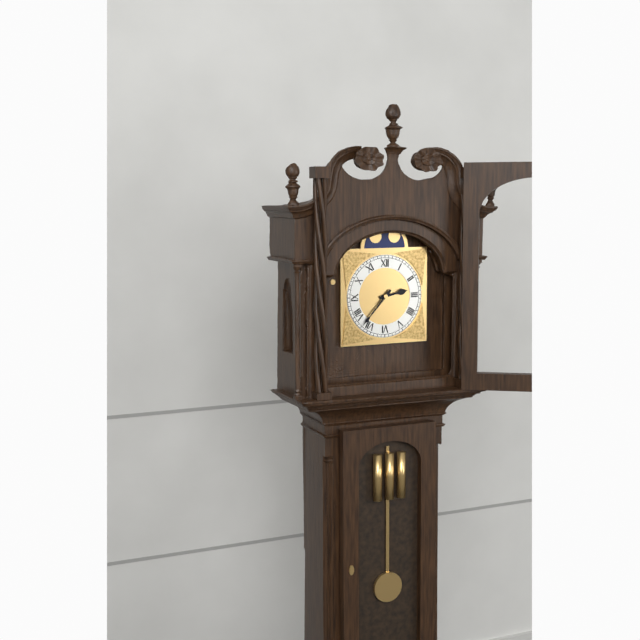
2:37
